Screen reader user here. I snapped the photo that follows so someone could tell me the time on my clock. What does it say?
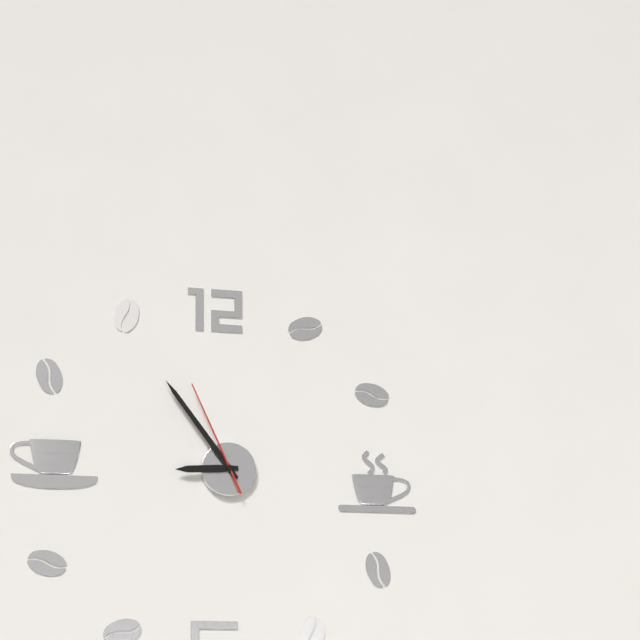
8:54:56
